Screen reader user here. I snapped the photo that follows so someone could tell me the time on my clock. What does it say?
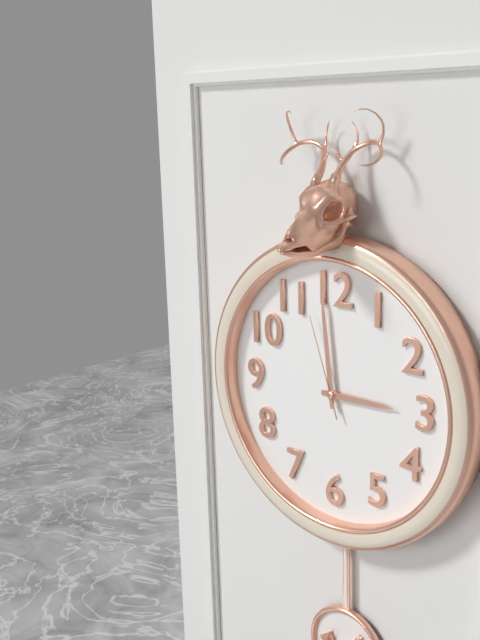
2:59:57
